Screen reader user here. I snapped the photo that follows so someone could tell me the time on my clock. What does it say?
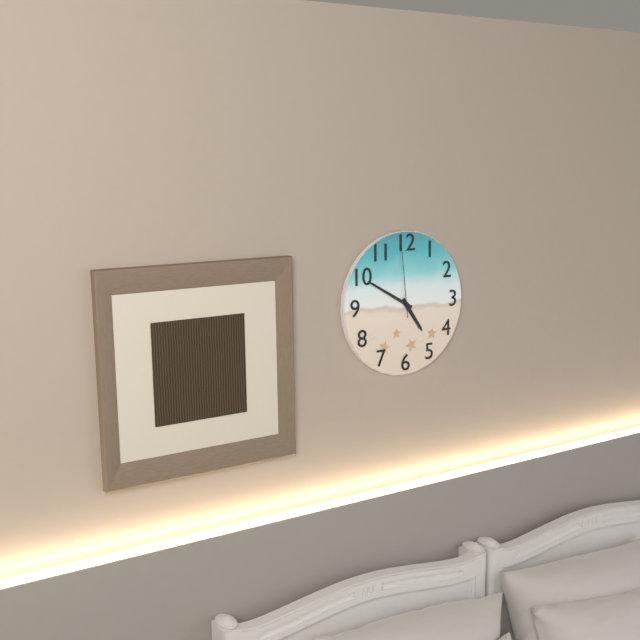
4:50:59
